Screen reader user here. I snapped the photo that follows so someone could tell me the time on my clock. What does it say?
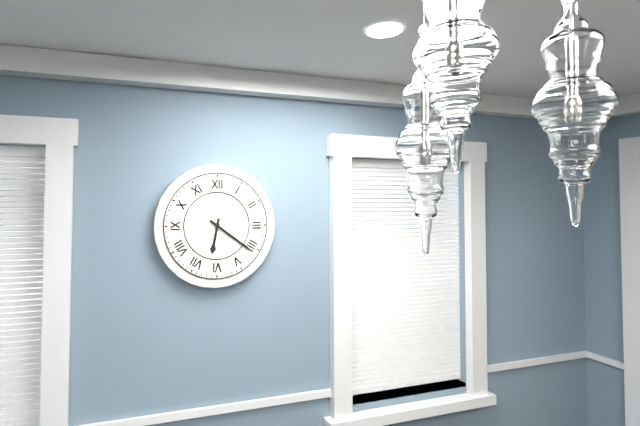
6:21
